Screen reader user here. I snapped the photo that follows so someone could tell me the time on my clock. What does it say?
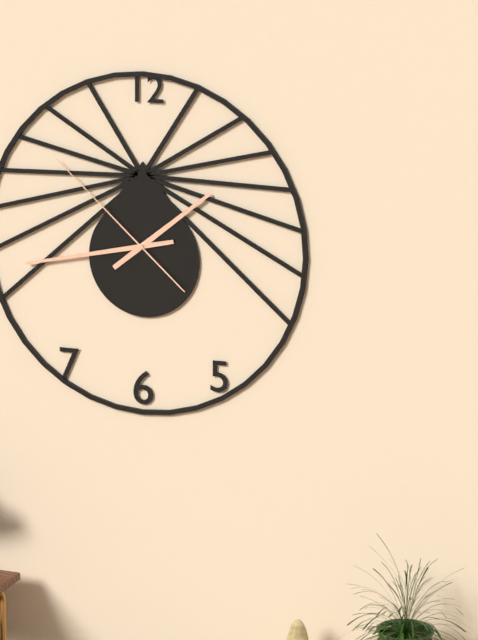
1:43:52
